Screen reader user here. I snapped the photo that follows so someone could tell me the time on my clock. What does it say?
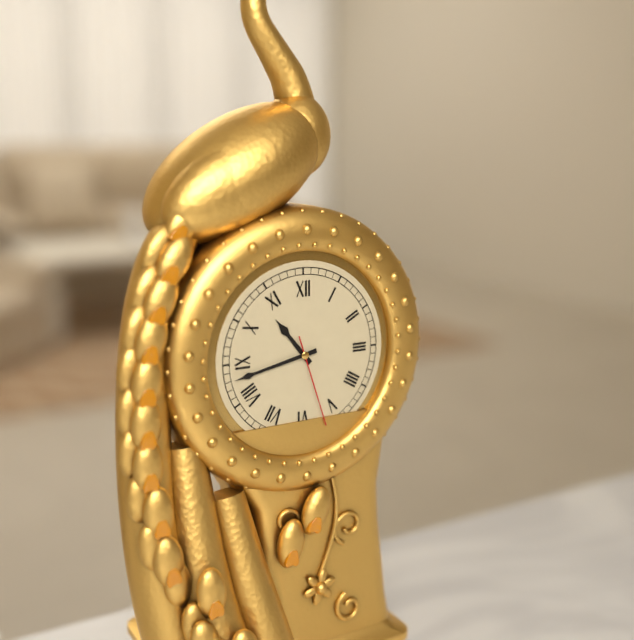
10:43:27
